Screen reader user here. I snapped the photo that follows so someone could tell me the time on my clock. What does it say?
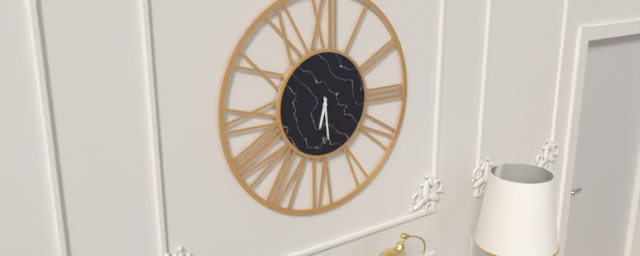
6:29
